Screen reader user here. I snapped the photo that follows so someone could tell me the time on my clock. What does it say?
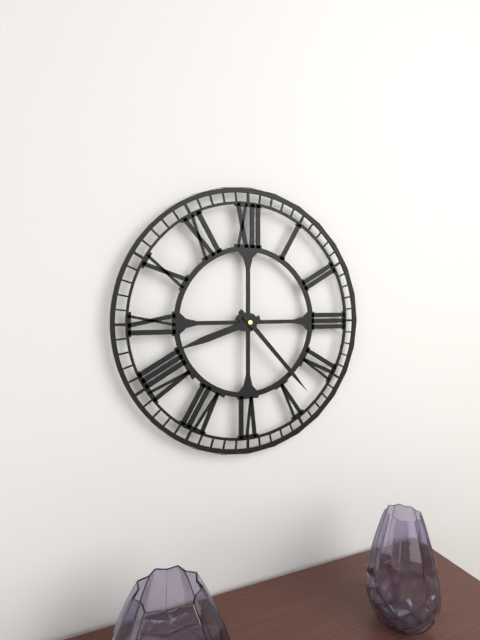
8:23
